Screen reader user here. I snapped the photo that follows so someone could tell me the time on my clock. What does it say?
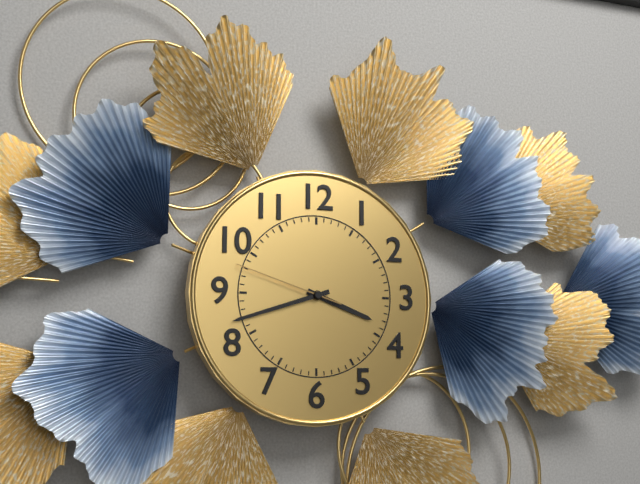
3:42:48
